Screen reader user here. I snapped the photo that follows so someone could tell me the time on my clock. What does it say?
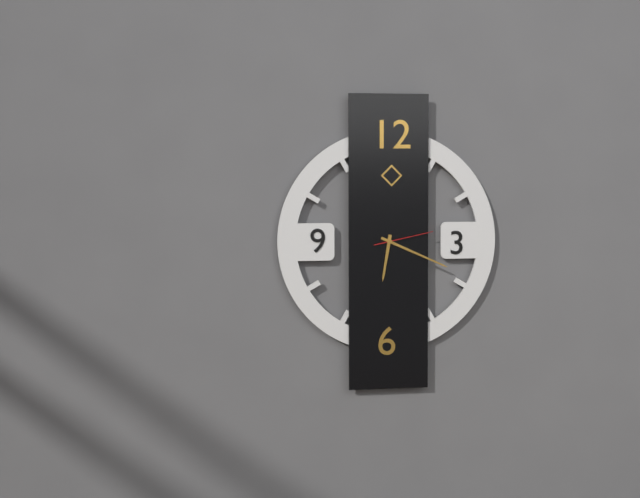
6:19:13
